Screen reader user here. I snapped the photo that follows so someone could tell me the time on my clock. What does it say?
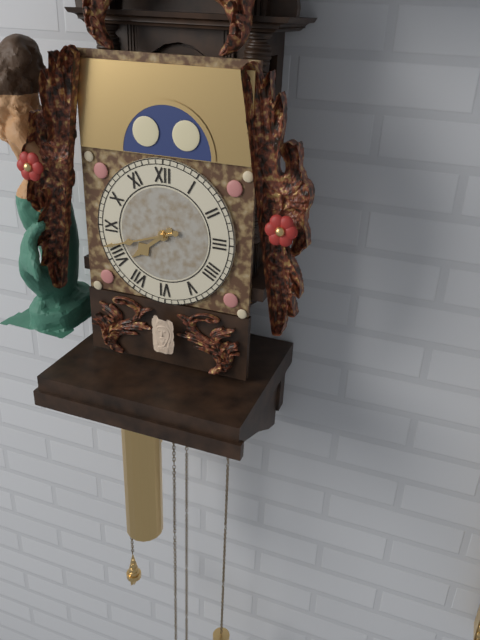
7:42
